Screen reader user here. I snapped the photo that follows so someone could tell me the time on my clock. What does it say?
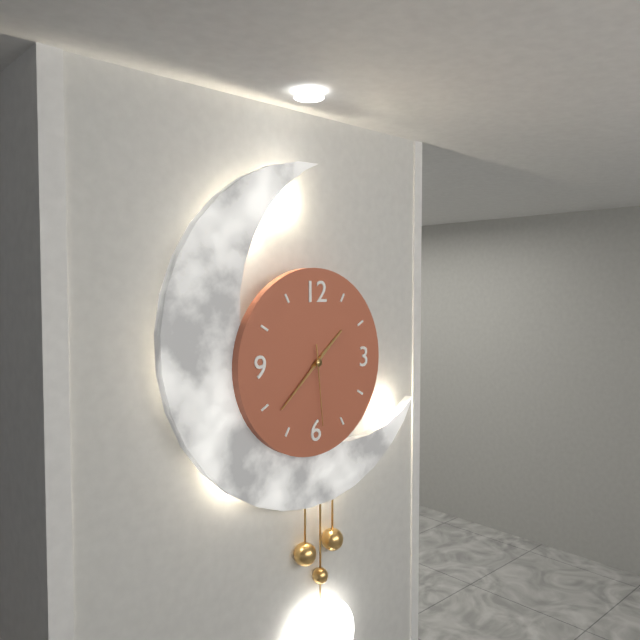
1:38:29
